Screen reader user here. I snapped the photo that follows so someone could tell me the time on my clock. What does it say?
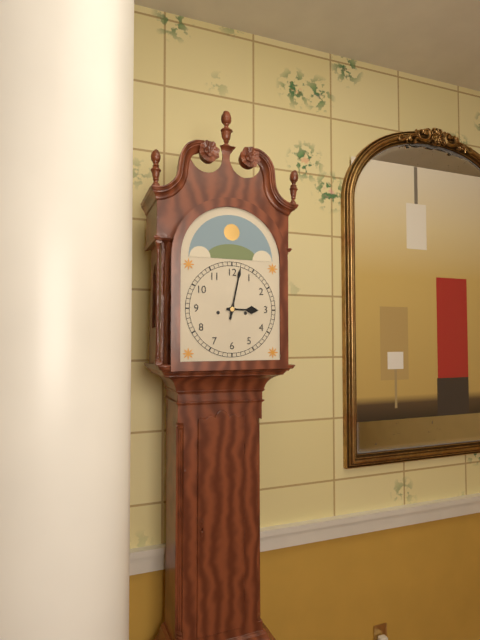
3:02
